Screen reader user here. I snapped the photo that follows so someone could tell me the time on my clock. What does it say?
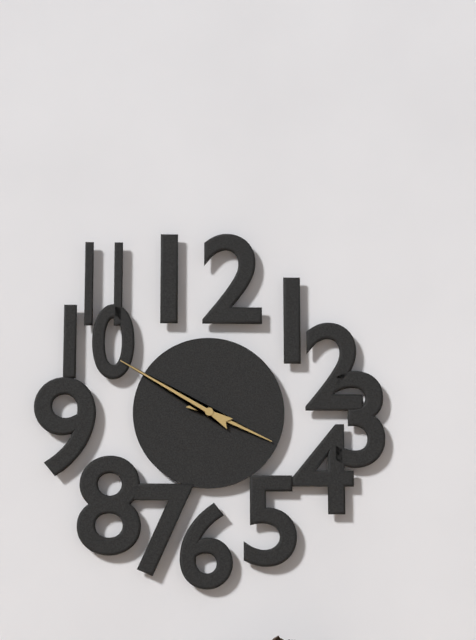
3:50
